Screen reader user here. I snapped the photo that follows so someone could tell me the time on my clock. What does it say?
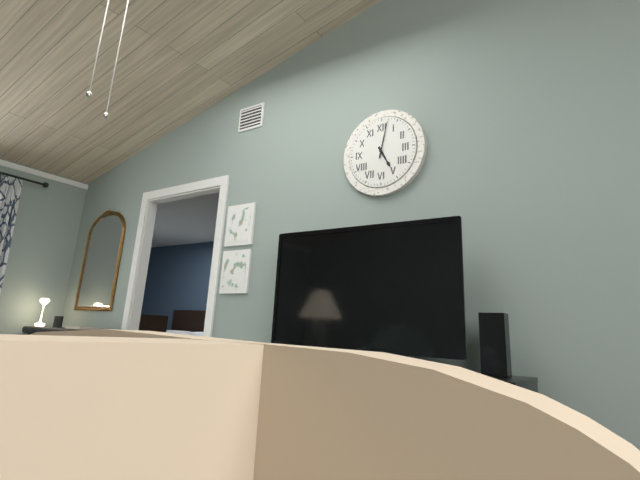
5:02
